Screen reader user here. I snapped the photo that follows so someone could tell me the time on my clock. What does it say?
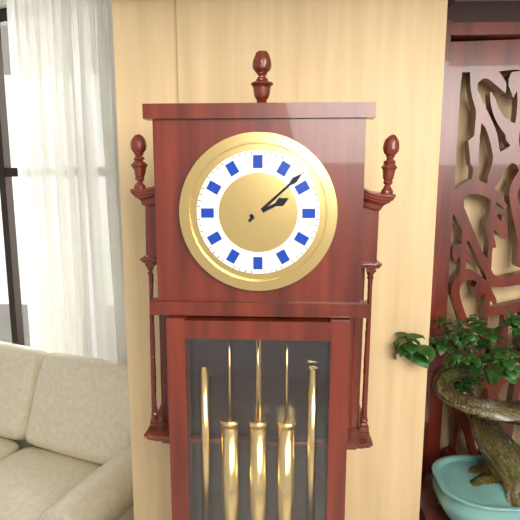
2:08
